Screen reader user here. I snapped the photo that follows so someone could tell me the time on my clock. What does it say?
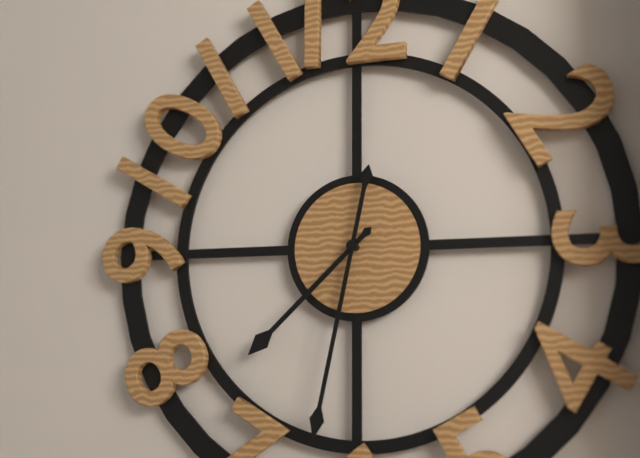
7:32
